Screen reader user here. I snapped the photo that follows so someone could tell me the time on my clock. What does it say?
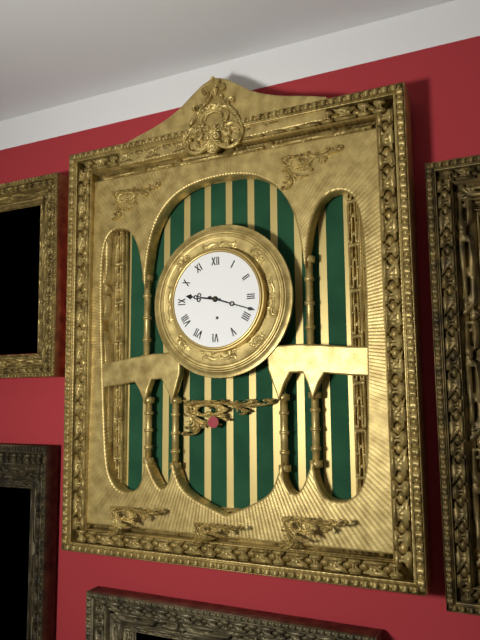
9:18
